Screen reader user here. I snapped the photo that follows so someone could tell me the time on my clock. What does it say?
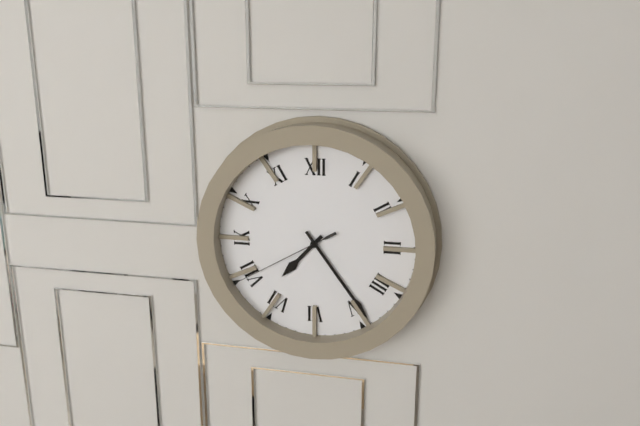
7:24:40
